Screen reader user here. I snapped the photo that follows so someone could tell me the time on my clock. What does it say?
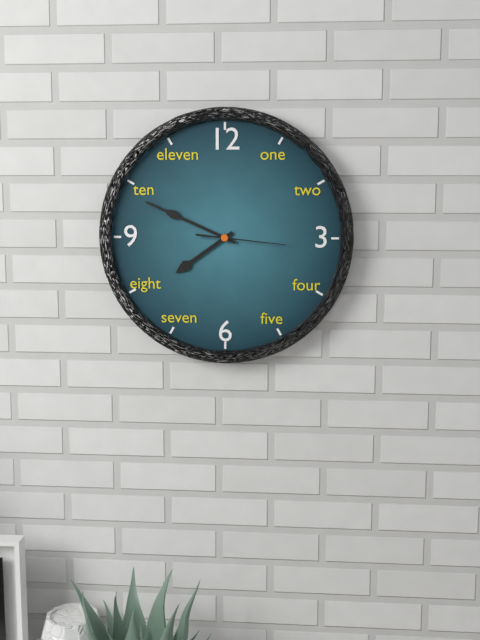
7:49:16
